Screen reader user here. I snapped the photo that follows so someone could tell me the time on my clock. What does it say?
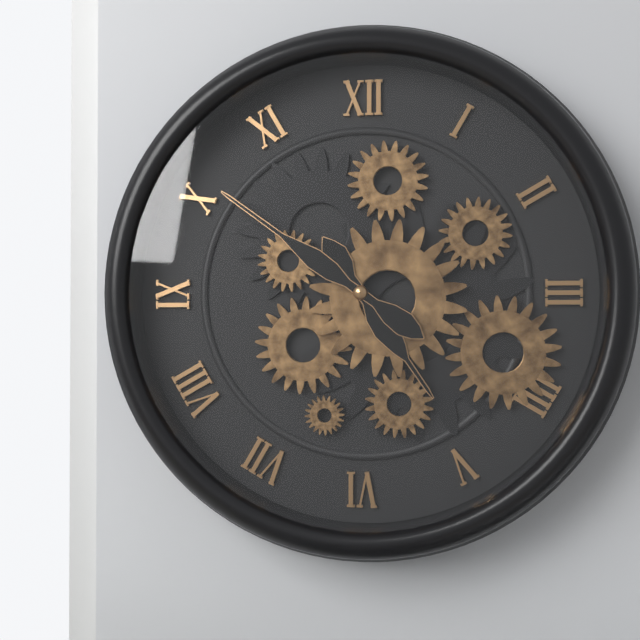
4:51
